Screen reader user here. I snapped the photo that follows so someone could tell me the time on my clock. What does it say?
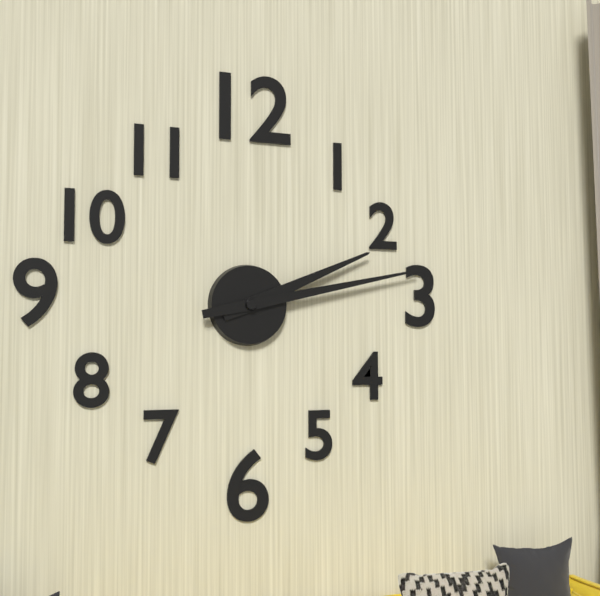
2:13
